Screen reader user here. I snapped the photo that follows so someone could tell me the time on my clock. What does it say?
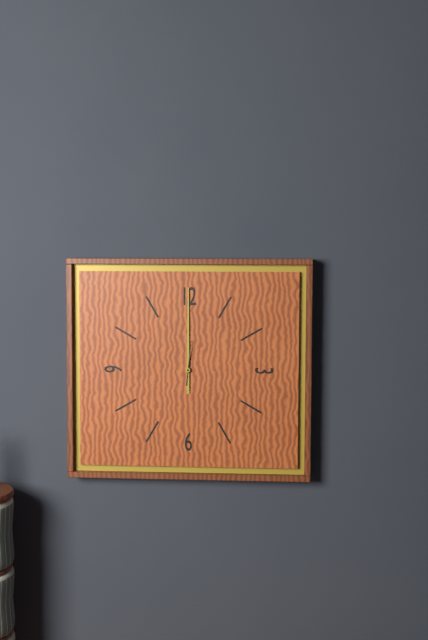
12:00
